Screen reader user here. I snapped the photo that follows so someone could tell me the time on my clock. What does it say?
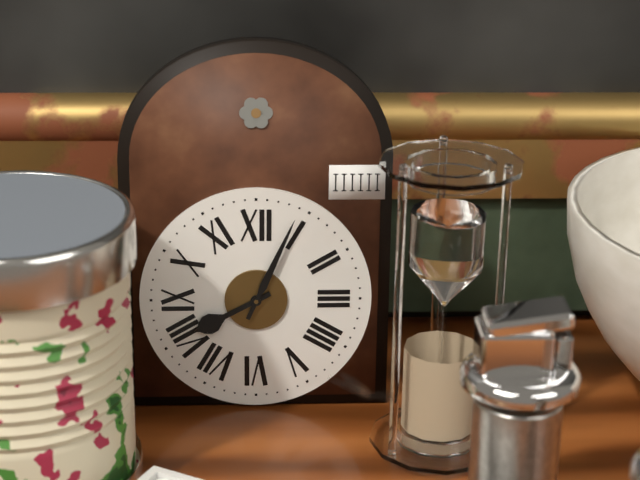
8:04
